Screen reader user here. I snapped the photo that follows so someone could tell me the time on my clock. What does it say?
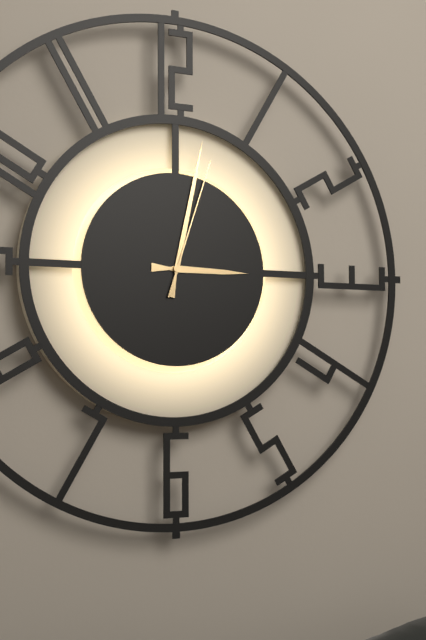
3:02:03
